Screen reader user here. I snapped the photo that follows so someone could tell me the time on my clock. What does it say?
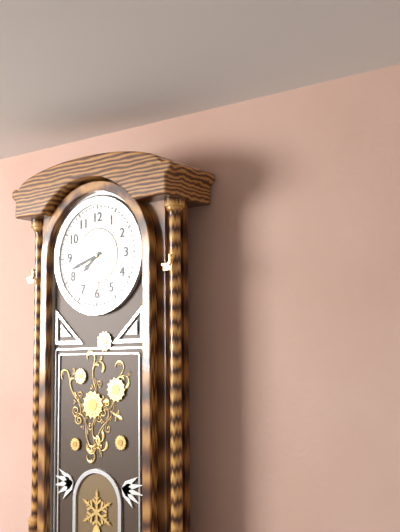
7:42:29
